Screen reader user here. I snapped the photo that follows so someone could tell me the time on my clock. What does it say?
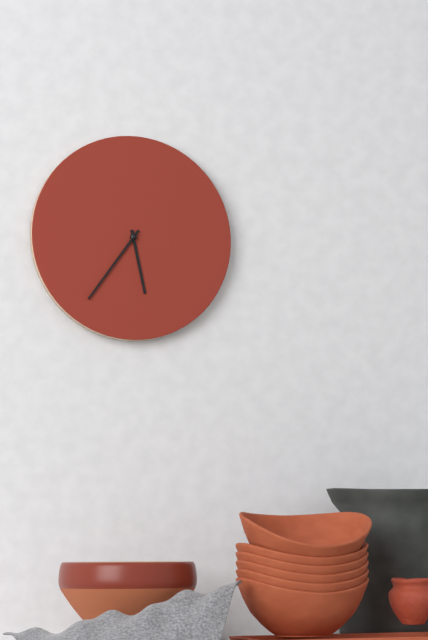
5:36
